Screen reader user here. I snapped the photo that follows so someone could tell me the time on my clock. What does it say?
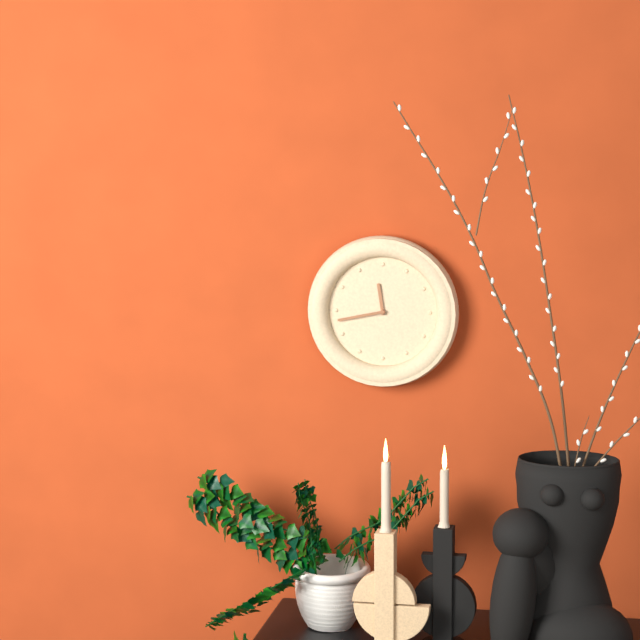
11:43
